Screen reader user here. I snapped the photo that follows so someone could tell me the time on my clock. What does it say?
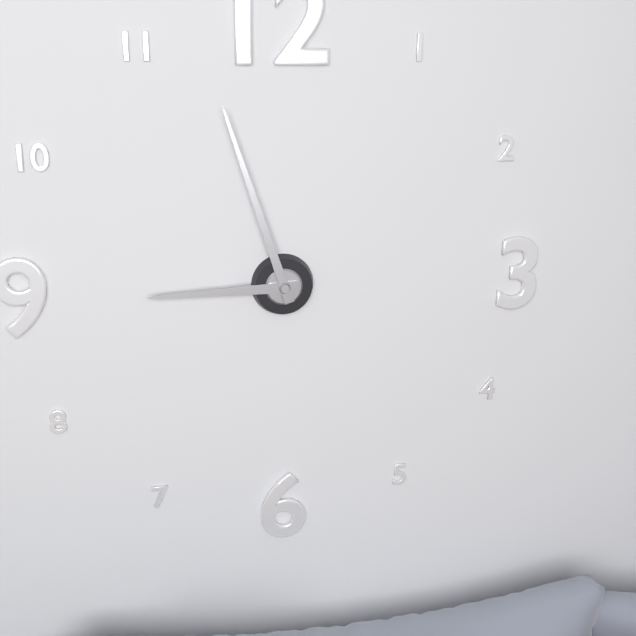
8:57
